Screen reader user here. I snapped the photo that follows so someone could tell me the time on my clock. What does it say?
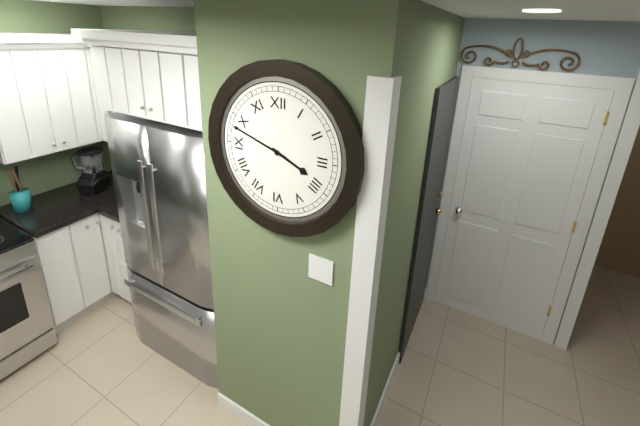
3:48
